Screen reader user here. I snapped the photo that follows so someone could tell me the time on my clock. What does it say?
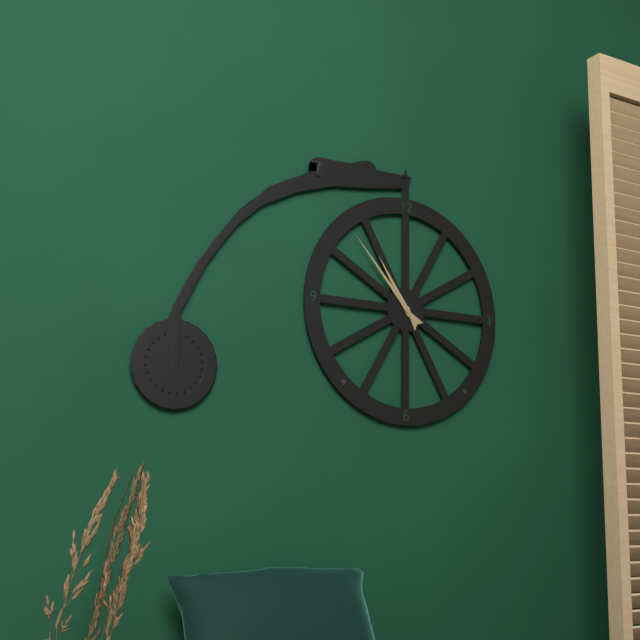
10:53
